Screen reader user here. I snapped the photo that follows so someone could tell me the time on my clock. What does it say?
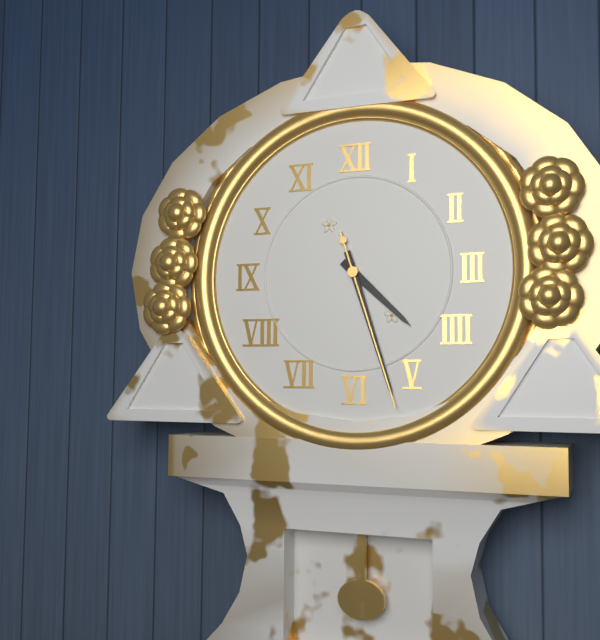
4:27:27
